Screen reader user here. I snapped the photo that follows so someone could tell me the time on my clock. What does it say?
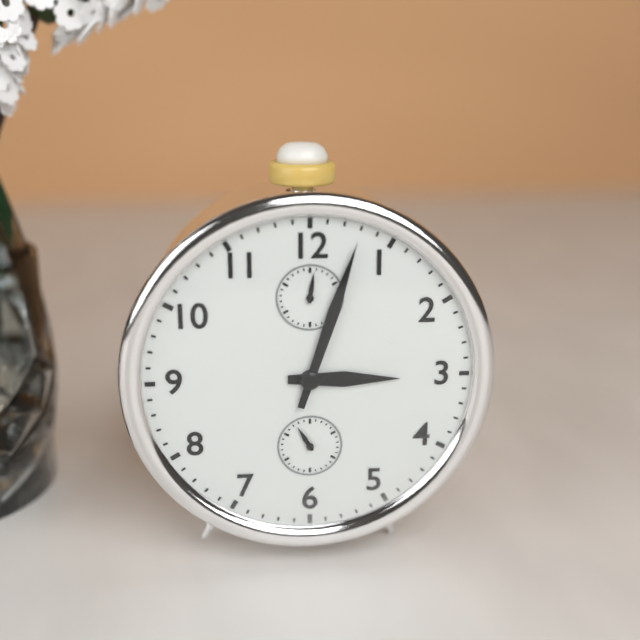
3:03
